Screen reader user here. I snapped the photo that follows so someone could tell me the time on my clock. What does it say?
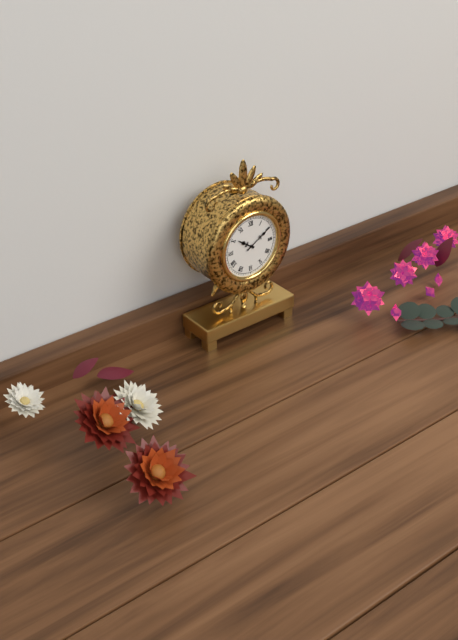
10:10
